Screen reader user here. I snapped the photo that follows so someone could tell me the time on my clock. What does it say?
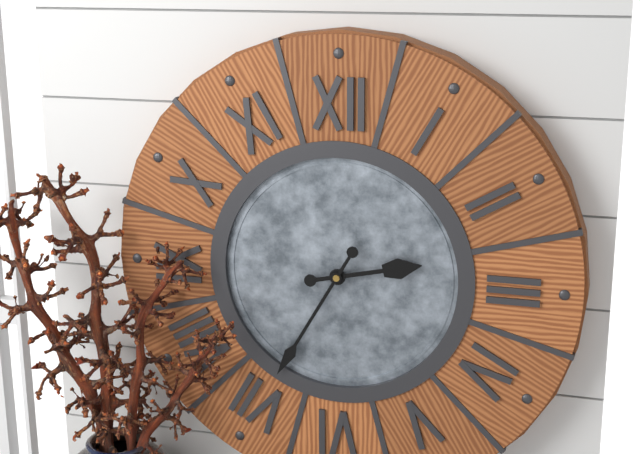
2:35
